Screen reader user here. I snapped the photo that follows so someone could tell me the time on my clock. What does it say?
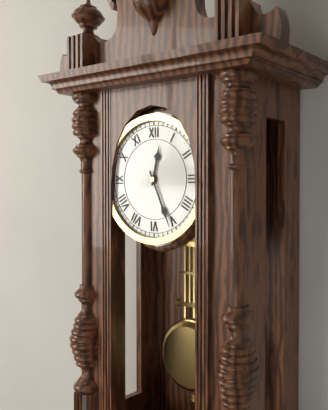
12:26
